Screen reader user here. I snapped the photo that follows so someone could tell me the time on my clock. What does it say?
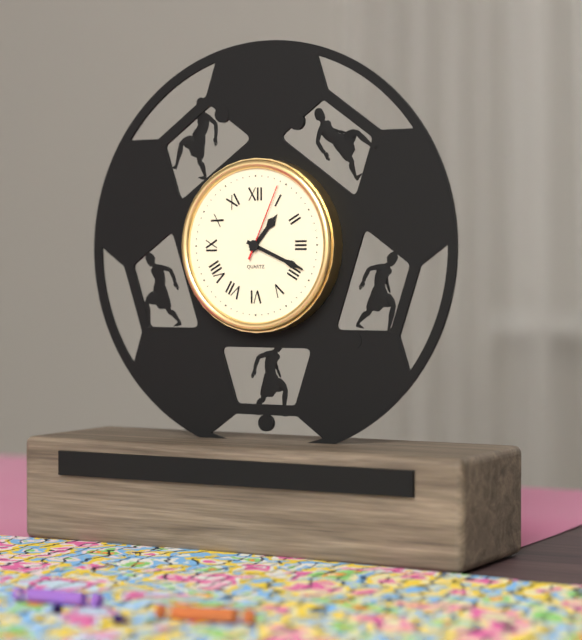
1:19:04
